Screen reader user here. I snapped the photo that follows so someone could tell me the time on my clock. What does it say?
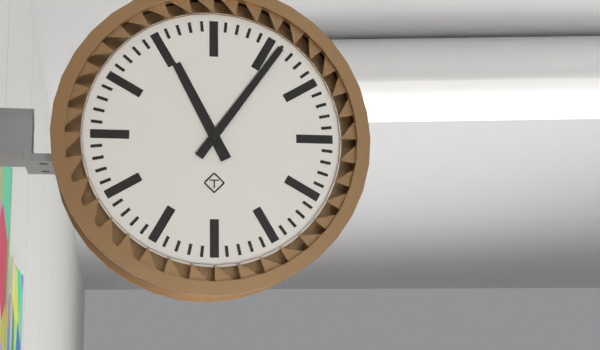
11:06
